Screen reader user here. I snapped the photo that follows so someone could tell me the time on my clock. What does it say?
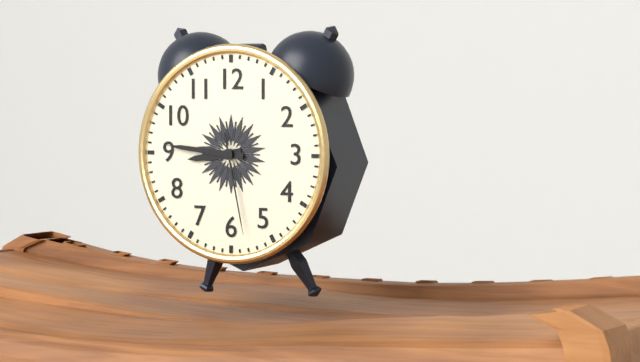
8:46:28
